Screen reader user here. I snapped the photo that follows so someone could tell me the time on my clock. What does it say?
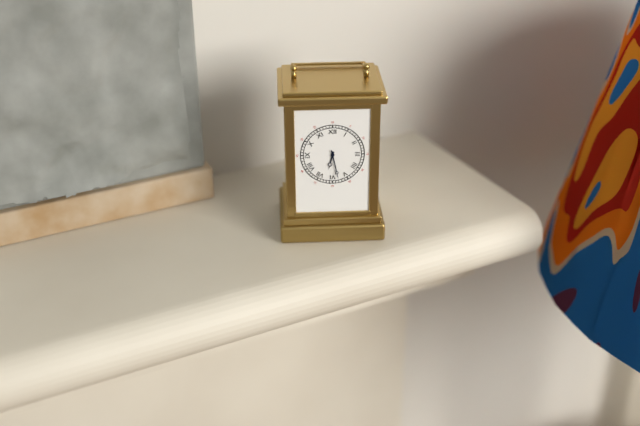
6:28
